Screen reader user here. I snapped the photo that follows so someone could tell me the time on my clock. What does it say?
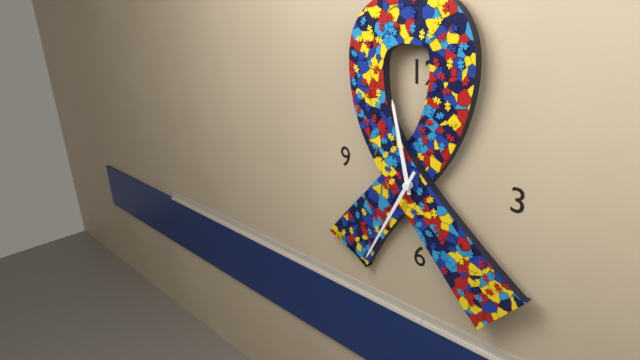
11:35
